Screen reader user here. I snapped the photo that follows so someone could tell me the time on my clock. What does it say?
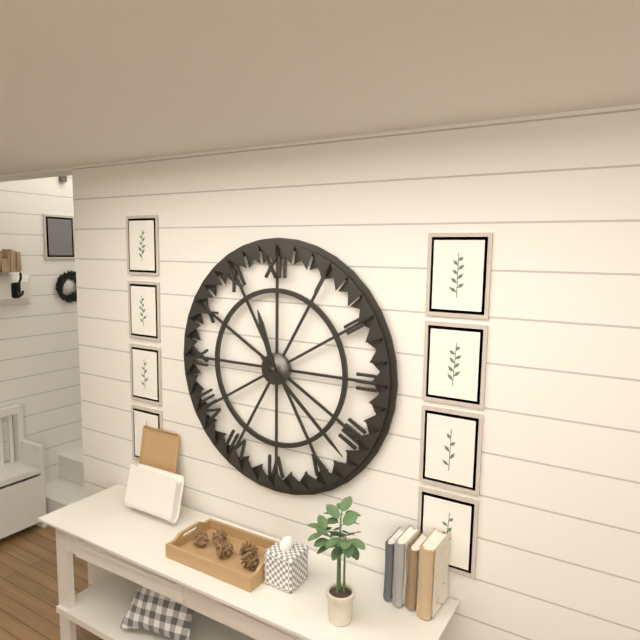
11:22
